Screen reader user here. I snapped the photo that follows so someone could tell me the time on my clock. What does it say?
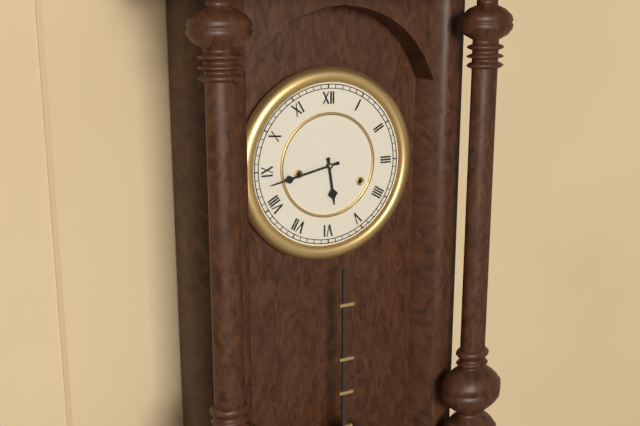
5:43
